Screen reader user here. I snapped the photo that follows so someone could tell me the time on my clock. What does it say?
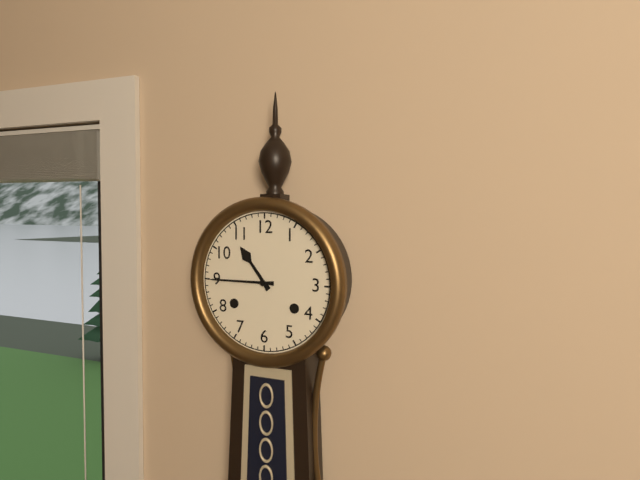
10:45
